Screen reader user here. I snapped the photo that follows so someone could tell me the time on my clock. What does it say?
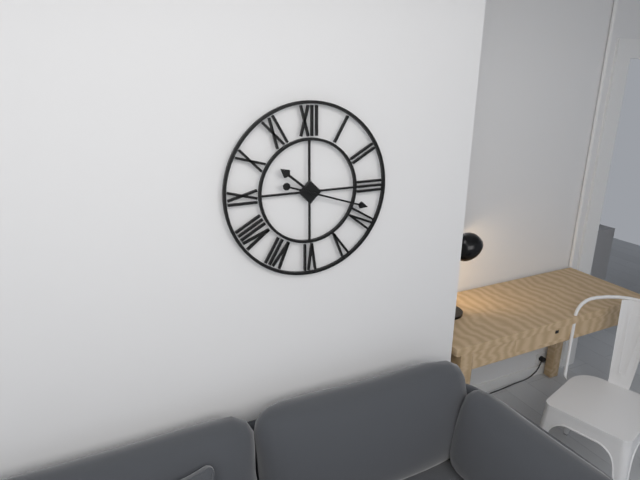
10:18
